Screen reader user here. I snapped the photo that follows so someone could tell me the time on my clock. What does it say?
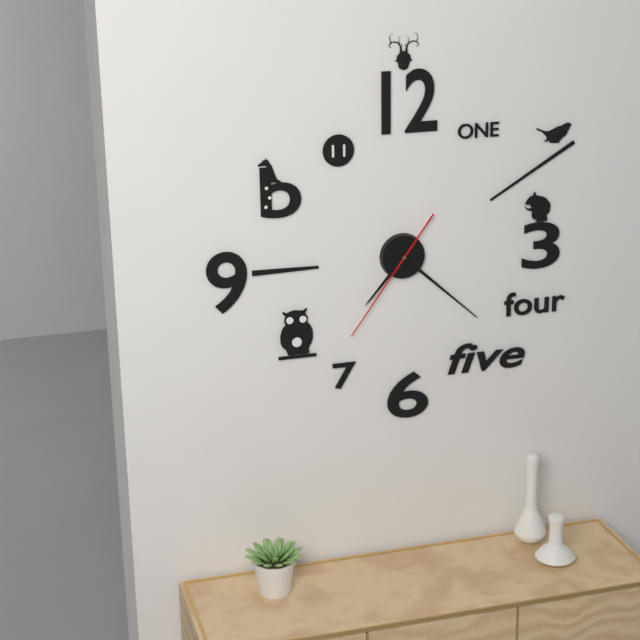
7:22:36
